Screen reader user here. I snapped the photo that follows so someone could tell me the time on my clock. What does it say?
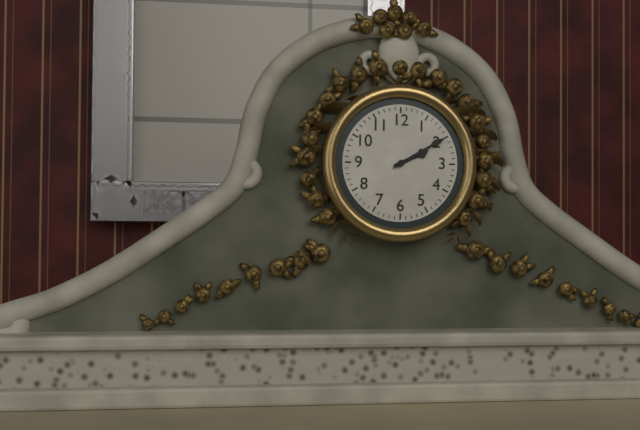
2:10
